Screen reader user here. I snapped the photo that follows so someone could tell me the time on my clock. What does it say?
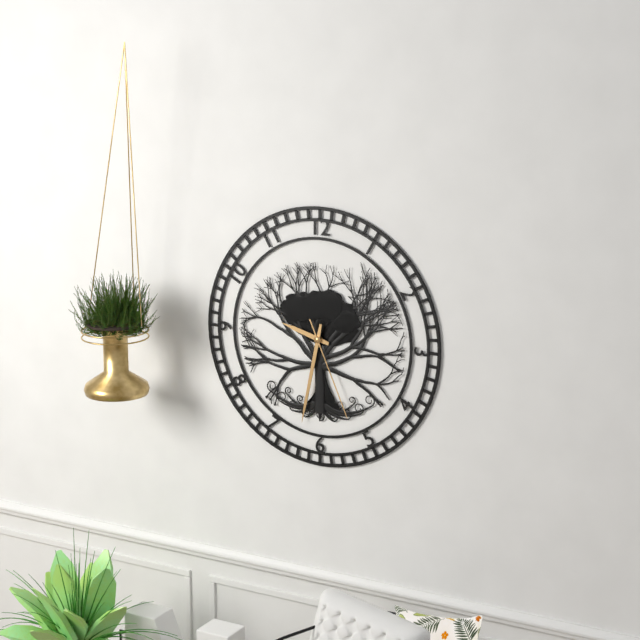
9:32:26
